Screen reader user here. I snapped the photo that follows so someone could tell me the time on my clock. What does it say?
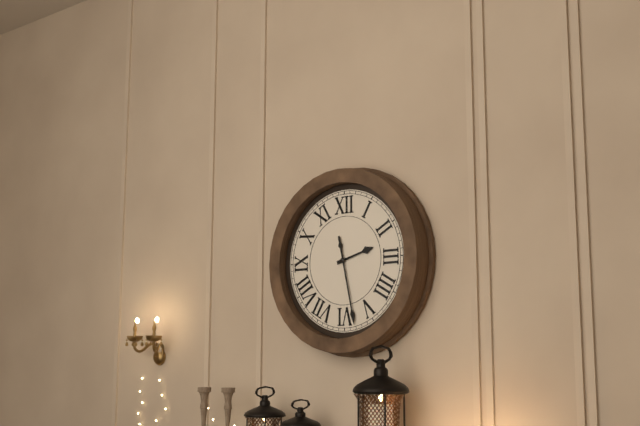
2:28
